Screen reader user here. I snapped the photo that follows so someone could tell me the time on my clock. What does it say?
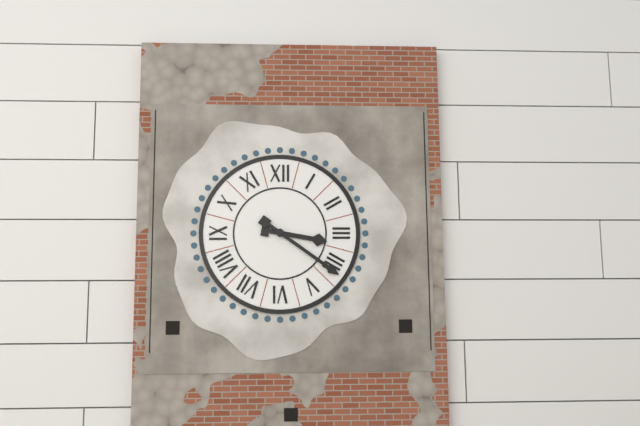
3:21
